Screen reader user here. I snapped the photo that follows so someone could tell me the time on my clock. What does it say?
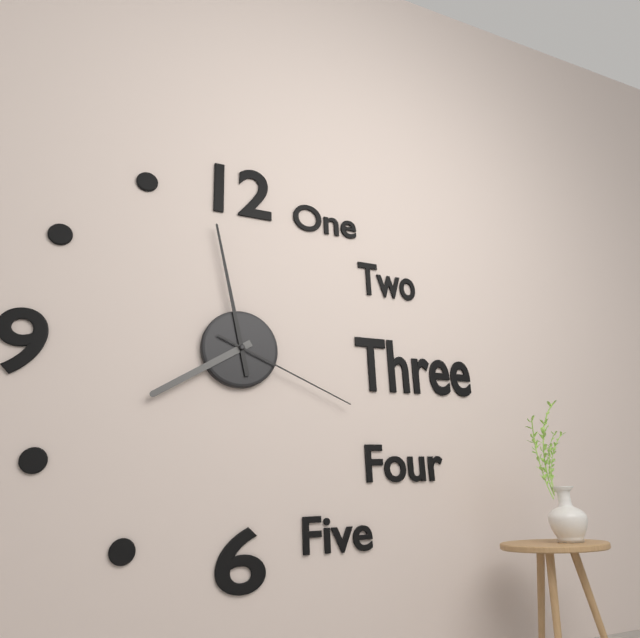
7:58:19
